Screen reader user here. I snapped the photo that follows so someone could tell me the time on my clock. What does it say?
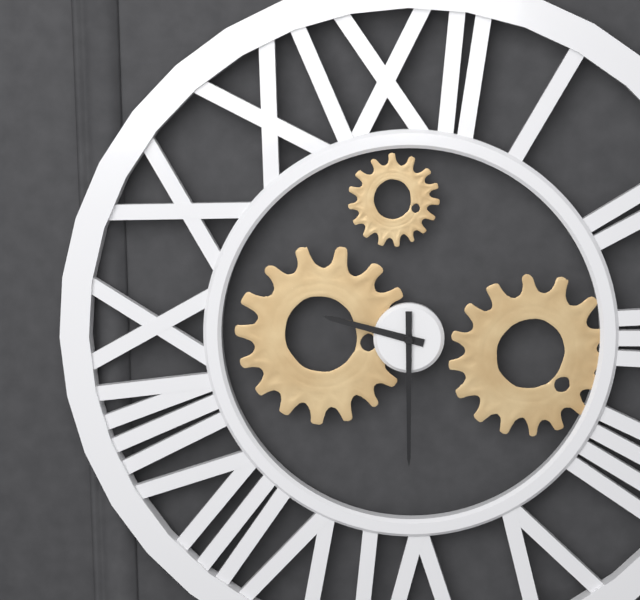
9:30
